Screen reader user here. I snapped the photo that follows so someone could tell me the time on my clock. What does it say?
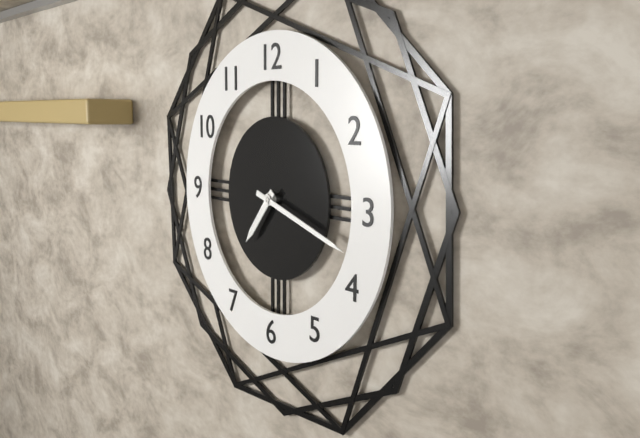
7:18
